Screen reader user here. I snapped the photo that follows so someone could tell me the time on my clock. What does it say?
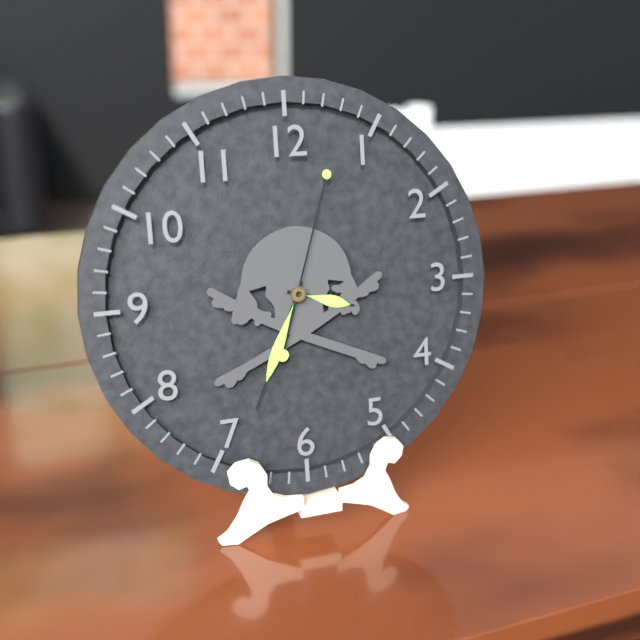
3:34:03
